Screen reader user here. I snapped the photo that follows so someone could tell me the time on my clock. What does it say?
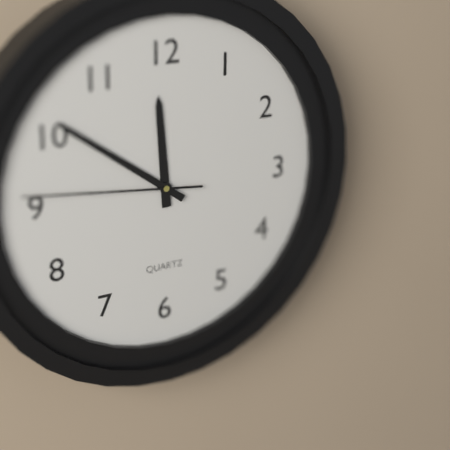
11:51:46
